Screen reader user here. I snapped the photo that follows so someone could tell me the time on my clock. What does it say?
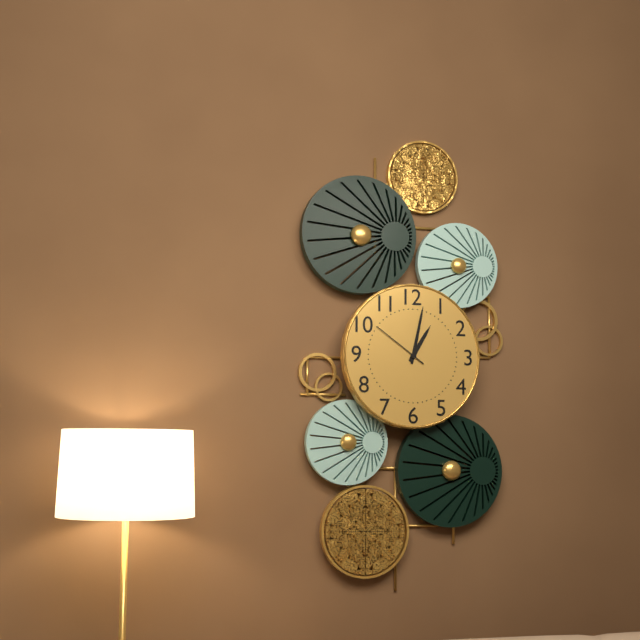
1:02:51
